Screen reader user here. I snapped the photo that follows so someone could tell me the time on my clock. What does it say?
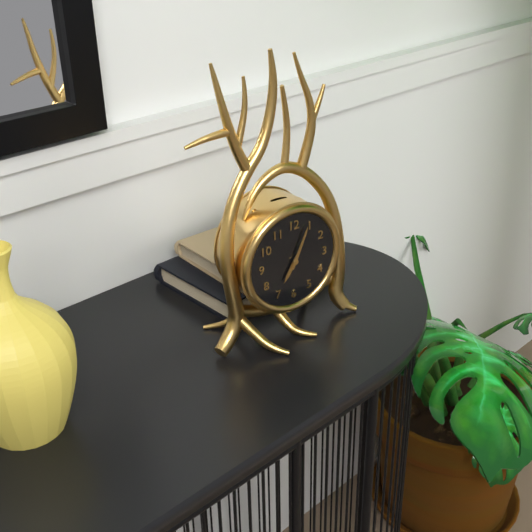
7:04
